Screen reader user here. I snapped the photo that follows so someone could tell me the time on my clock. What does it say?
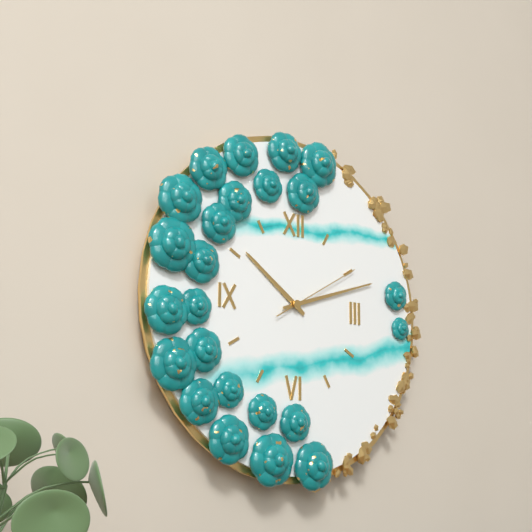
10:12:10
